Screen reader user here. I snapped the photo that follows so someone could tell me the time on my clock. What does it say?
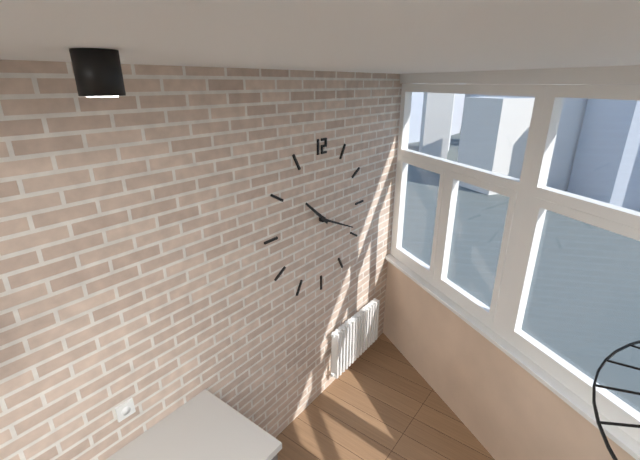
10:19
